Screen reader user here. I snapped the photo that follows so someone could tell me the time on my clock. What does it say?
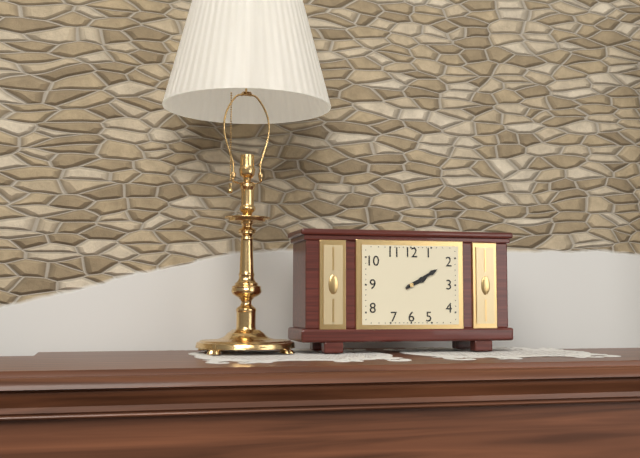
2:10
